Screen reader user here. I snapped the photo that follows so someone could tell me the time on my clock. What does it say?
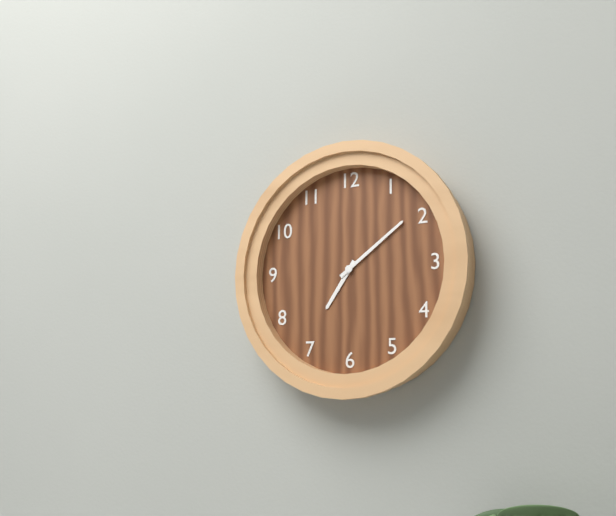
7:09
